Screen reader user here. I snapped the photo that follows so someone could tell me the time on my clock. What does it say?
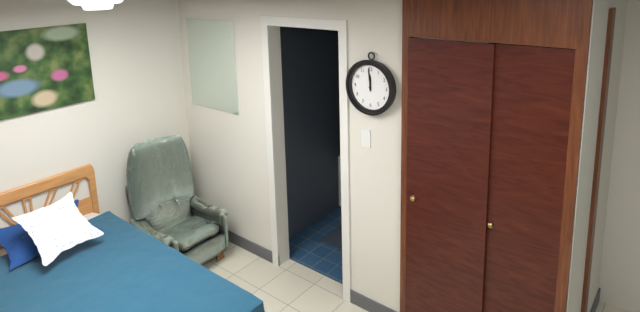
11:59
